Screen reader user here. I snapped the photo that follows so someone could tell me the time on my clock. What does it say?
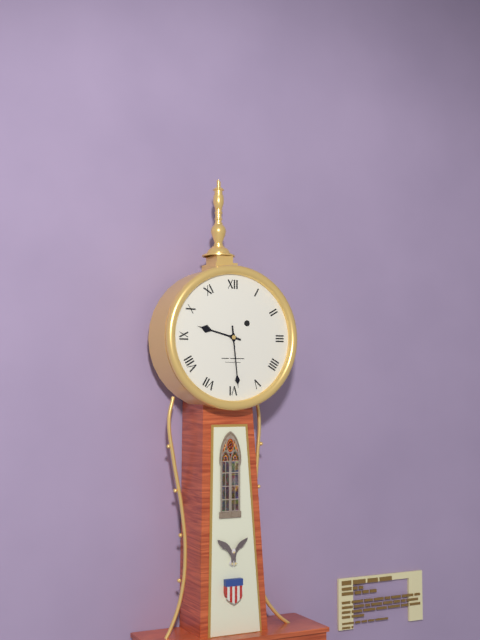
9:29
